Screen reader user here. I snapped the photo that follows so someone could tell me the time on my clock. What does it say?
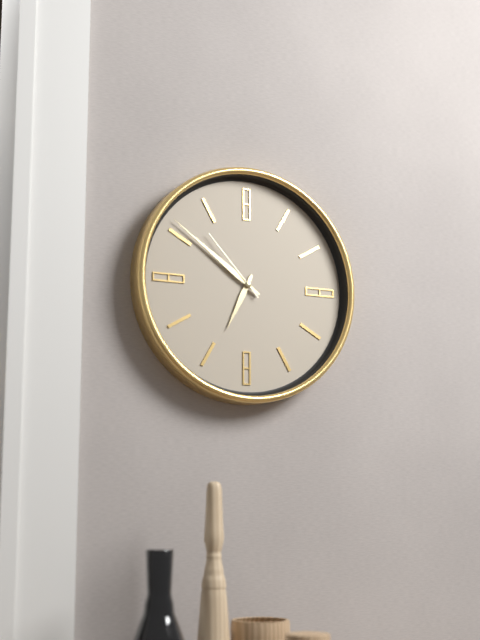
6:51:53
